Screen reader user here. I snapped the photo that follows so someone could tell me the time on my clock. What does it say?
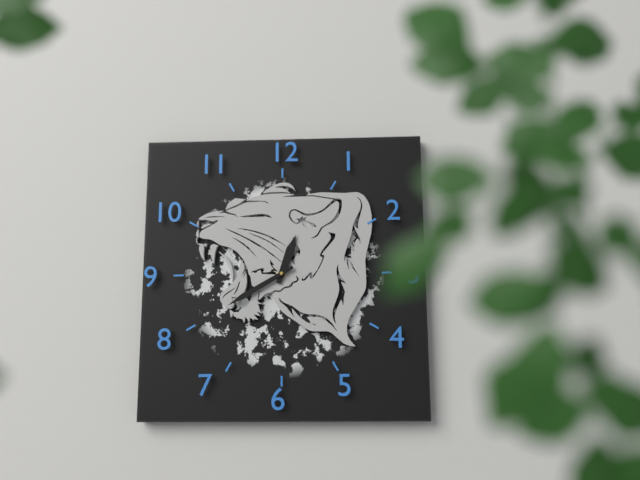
12:40
